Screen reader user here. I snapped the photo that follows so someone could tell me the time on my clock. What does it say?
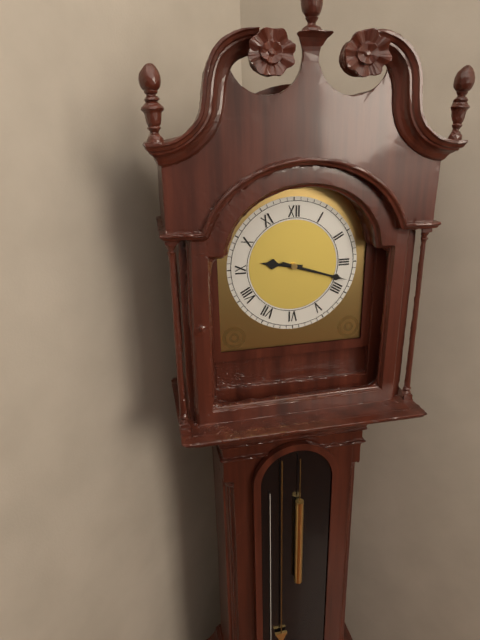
9:18
